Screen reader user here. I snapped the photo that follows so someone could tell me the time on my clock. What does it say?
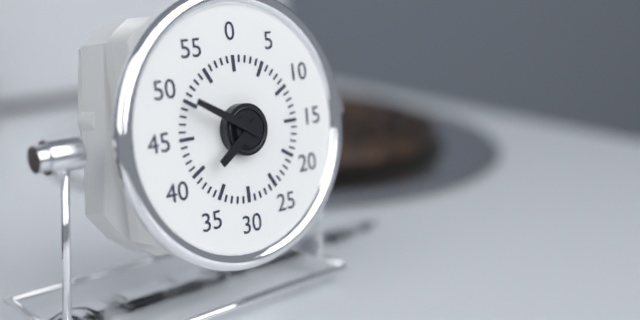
7:50
